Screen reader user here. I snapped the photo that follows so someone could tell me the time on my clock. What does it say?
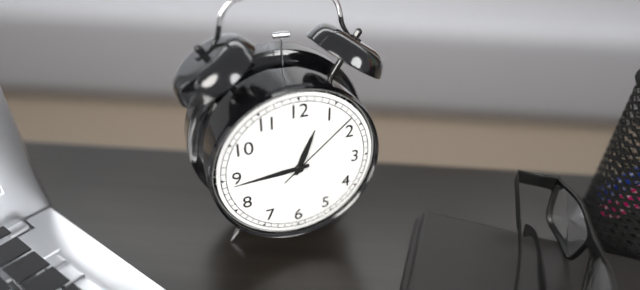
12:44:08
